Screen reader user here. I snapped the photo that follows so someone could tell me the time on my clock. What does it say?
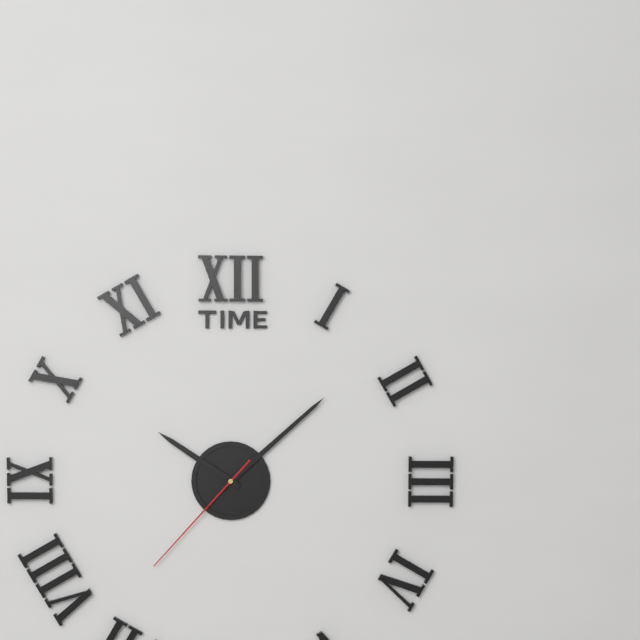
10:08:37
